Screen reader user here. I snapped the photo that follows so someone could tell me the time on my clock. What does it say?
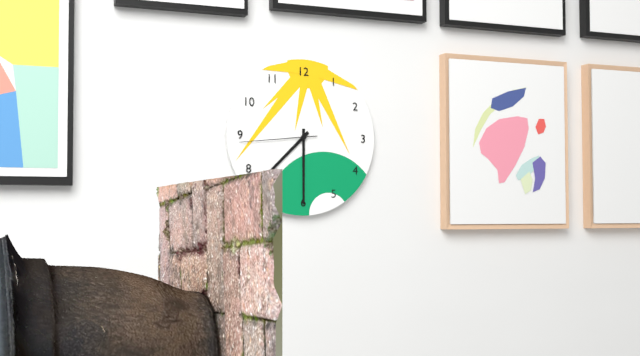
7:30:44
